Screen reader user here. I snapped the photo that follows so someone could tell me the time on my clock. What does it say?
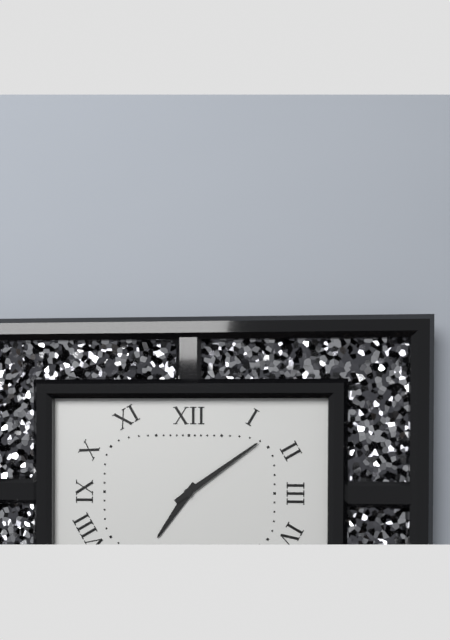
7:09
